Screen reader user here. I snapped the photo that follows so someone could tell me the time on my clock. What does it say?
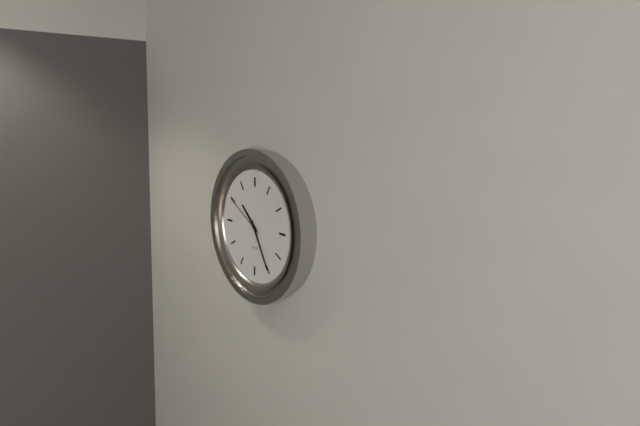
10:25
